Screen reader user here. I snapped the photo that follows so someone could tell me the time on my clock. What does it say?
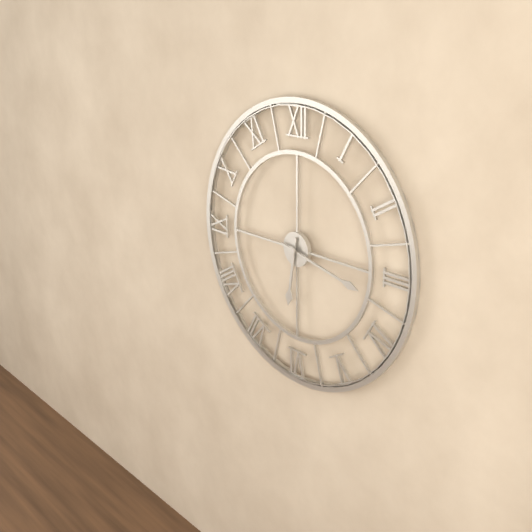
6:17
